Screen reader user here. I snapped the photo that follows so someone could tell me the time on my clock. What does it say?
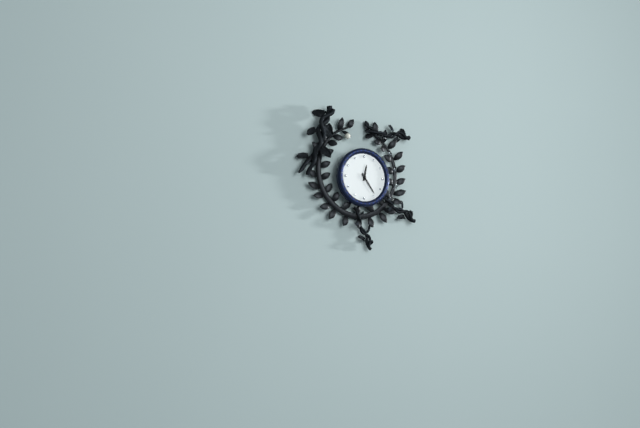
12:24
